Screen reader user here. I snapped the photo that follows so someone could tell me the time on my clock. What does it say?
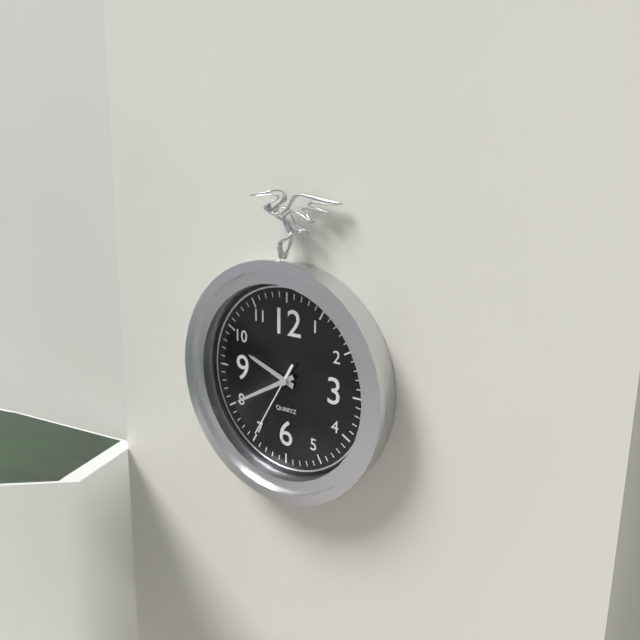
9:40:35
